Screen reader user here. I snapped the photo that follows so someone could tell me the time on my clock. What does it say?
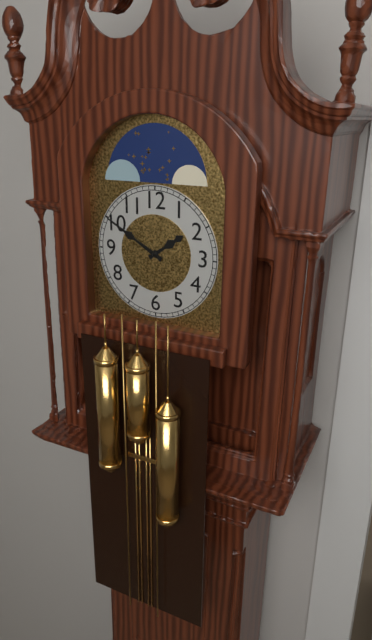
1:50
